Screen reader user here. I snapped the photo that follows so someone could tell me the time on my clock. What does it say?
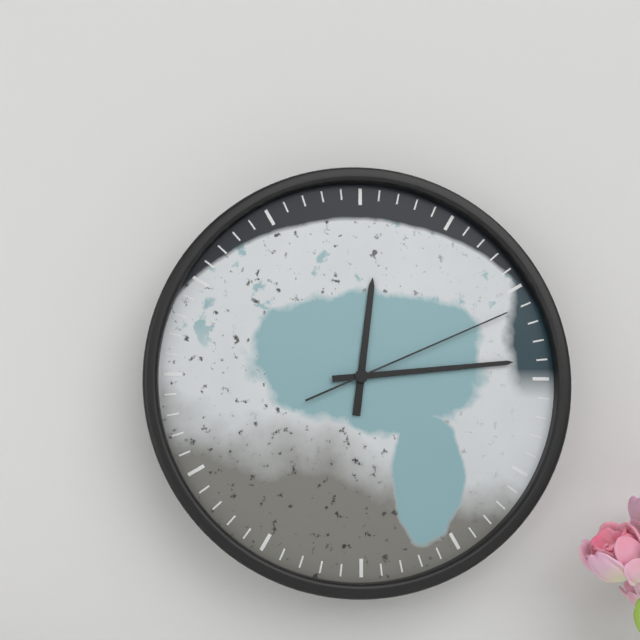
12:14:11
